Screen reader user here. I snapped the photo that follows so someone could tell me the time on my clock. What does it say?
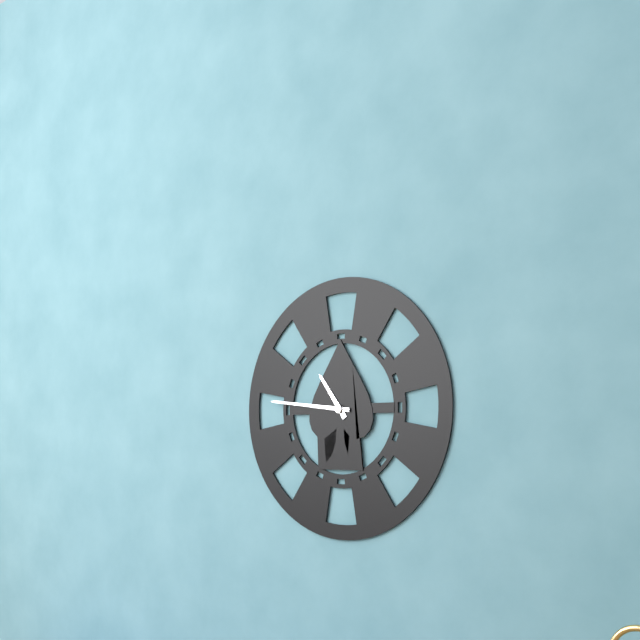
10:46
